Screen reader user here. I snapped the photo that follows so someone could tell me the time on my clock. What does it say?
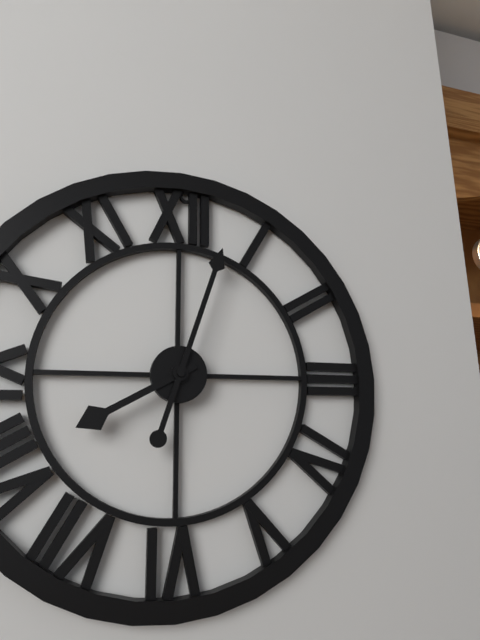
8:03
